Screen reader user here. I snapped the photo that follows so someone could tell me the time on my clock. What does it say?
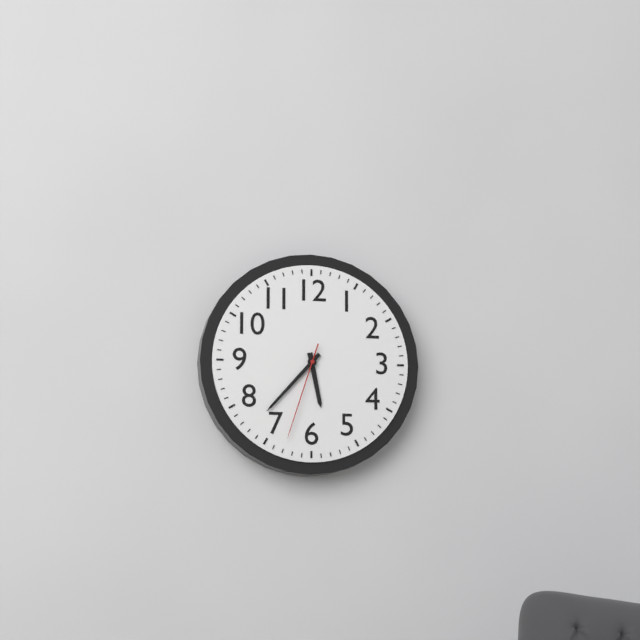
5:37:33
